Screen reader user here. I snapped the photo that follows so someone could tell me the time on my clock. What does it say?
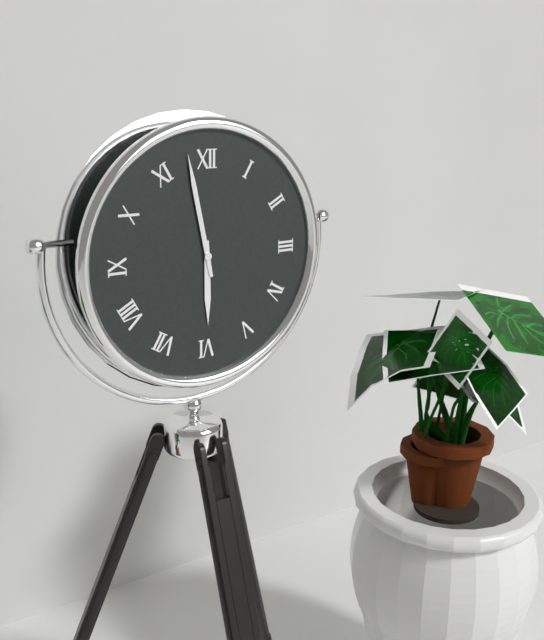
5:58
